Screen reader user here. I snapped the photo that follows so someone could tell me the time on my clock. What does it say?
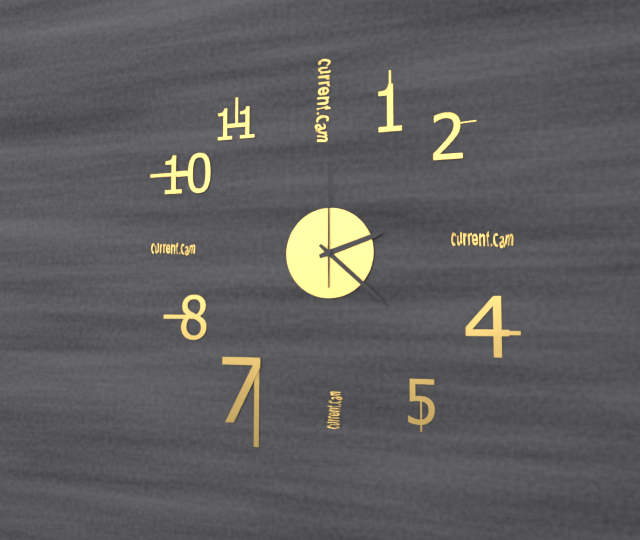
2:22:00
